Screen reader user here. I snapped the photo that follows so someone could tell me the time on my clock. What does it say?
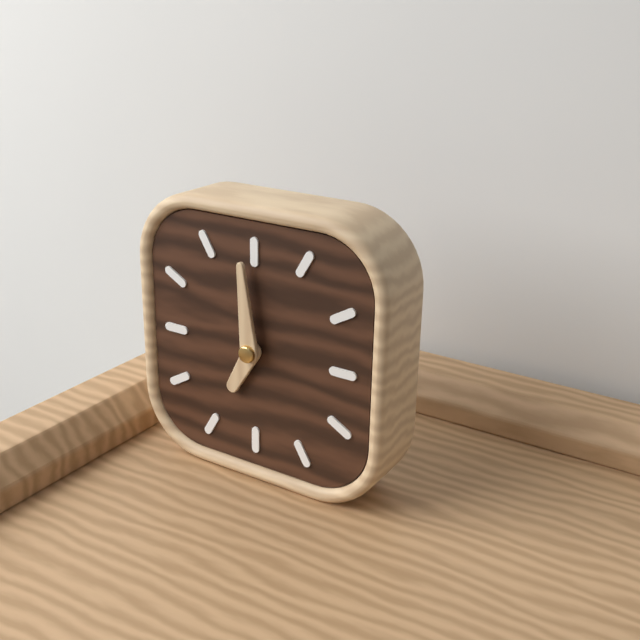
6:59
